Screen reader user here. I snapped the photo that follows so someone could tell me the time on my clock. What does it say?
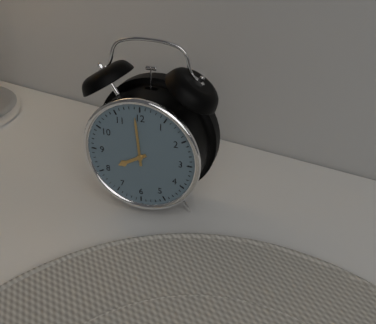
7:59
